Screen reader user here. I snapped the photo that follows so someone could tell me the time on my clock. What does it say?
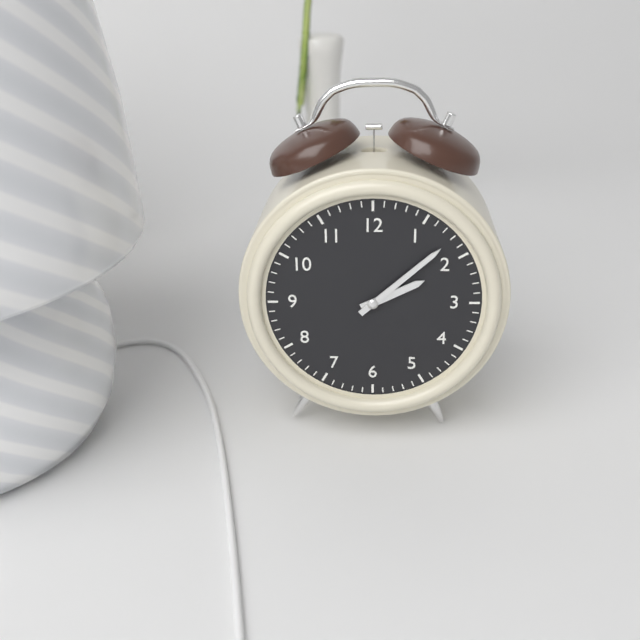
2:08
